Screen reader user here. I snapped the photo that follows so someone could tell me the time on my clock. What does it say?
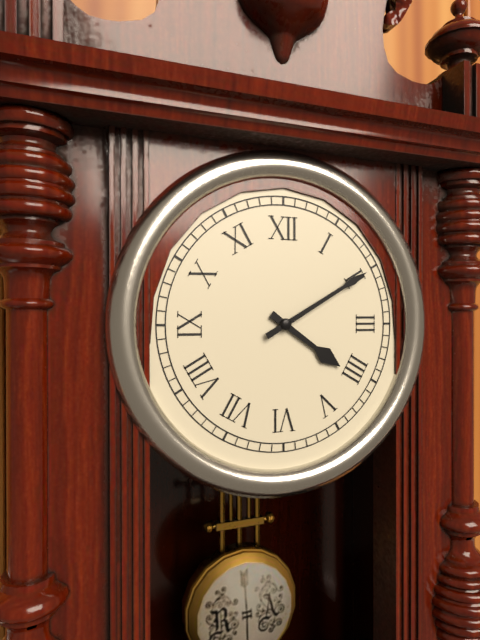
4:10
